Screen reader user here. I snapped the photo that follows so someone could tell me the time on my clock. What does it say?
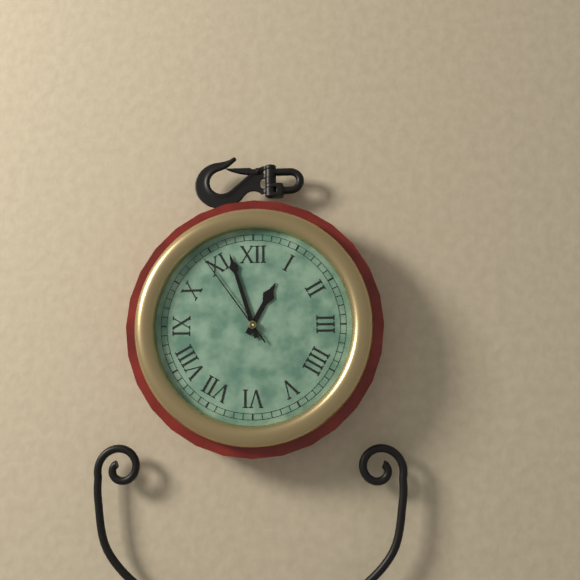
12:57:54
